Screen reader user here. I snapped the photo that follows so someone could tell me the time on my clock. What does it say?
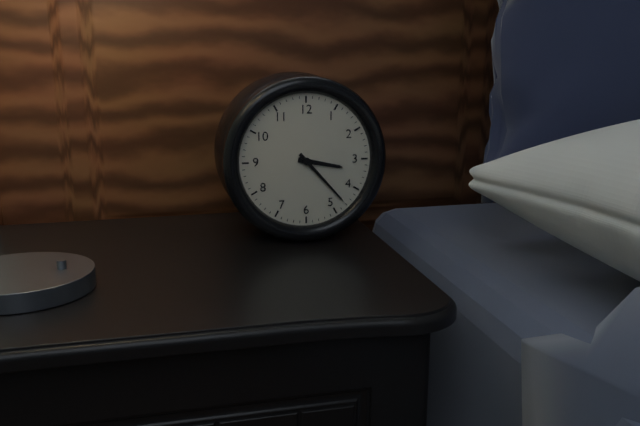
3:23
